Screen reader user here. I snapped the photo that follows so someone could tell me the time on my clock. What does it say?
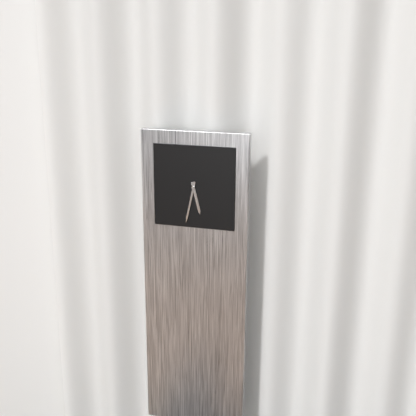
5:32
